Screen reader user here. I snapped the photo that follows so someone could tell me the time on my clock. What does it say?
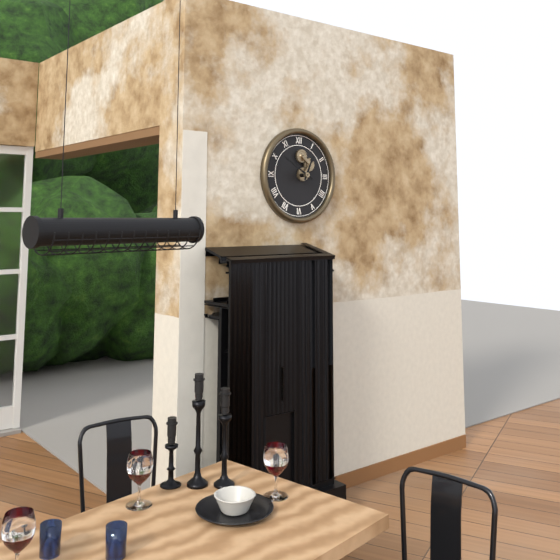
12:50
